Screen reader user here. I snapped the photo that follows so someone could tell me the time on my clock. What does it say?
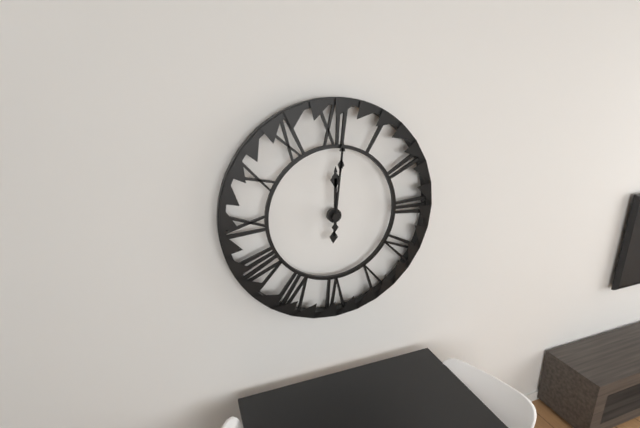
12:01
